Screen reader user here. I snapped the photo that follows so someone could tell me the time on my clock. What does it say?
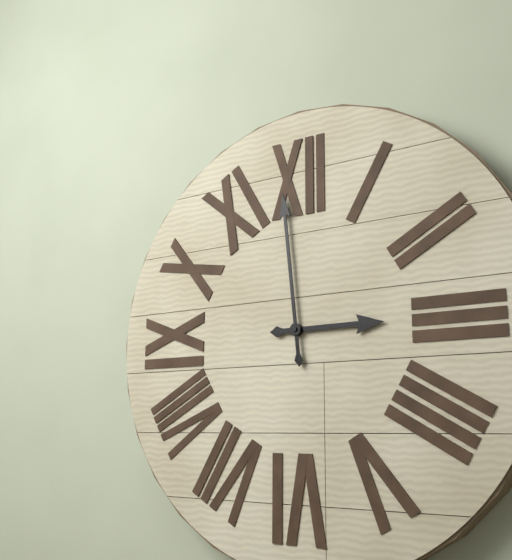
2:59
